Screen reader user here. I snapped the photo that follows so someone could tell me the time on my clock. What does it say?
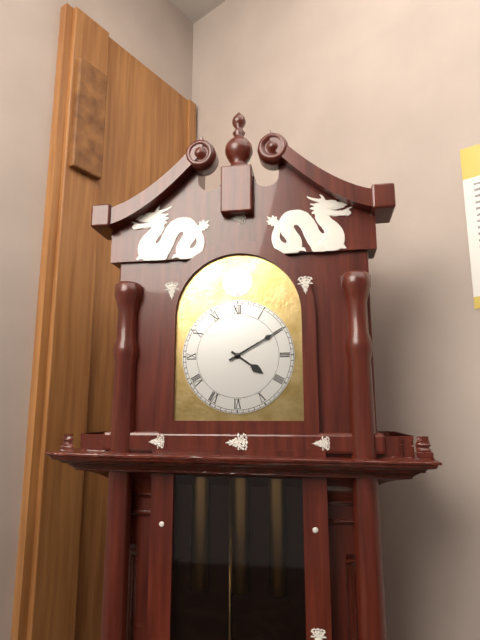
4:10
